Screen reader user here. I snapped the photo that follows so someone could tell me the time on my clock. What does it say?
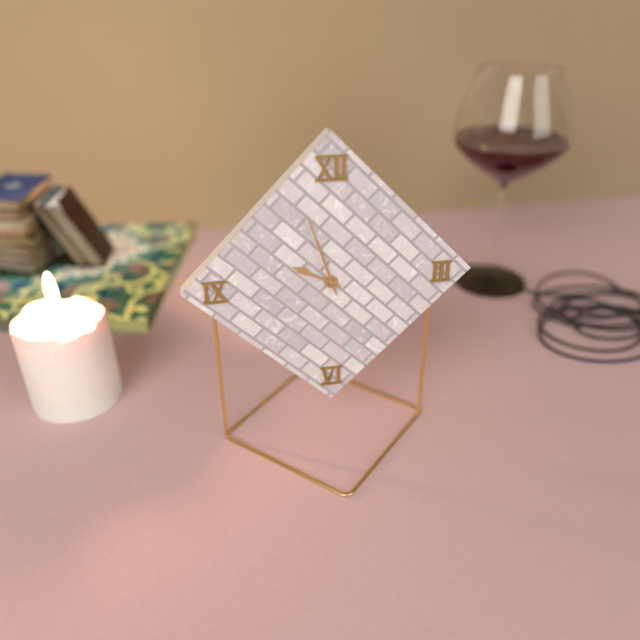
9:57:57
